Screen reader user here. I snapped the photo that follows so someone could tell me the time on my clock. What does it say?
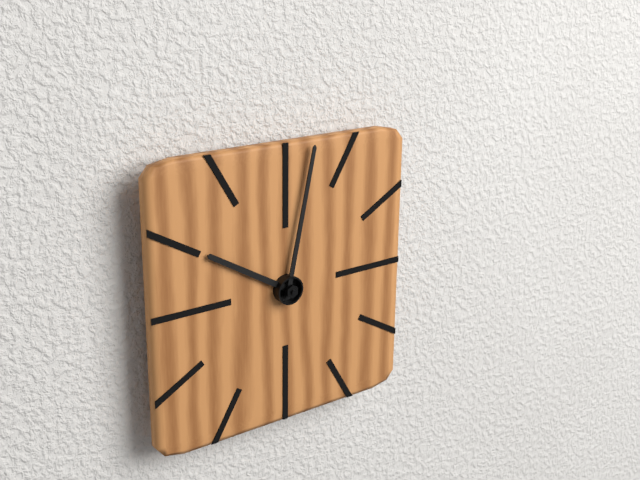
10:02
